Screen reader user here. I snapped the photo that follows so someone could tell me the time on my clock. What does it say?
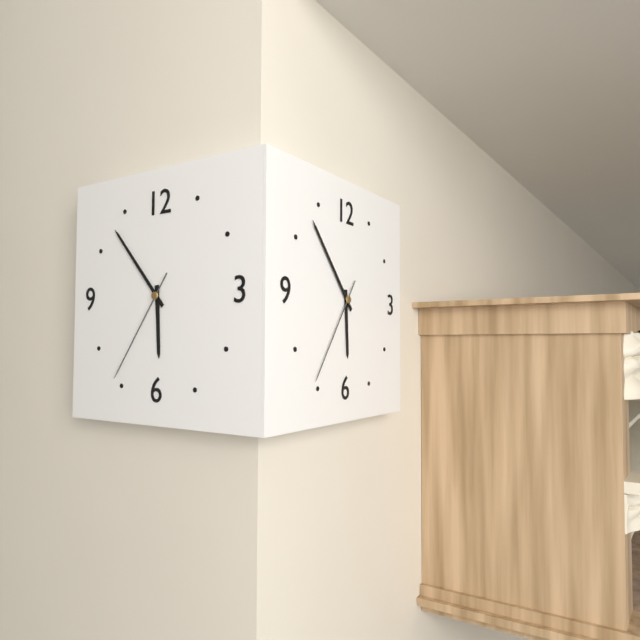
5:53:36
